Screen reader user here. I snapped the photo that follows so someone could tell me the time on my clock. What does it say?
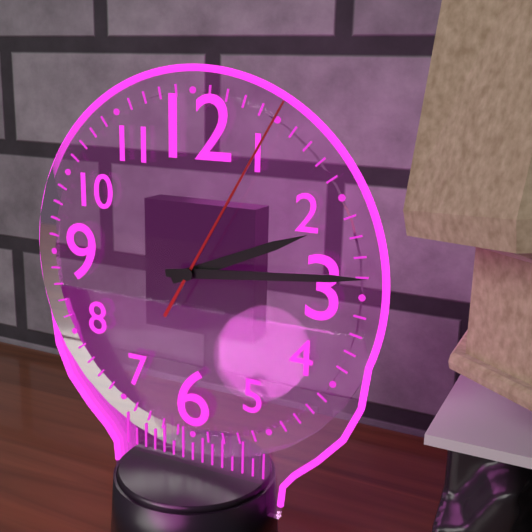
2:14:05
